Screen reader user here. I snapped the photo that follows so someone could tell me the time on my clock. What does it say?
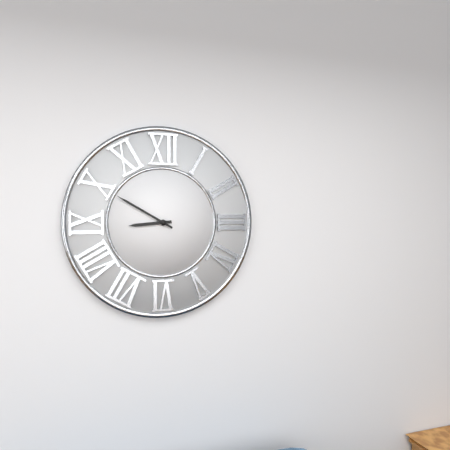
8:50
